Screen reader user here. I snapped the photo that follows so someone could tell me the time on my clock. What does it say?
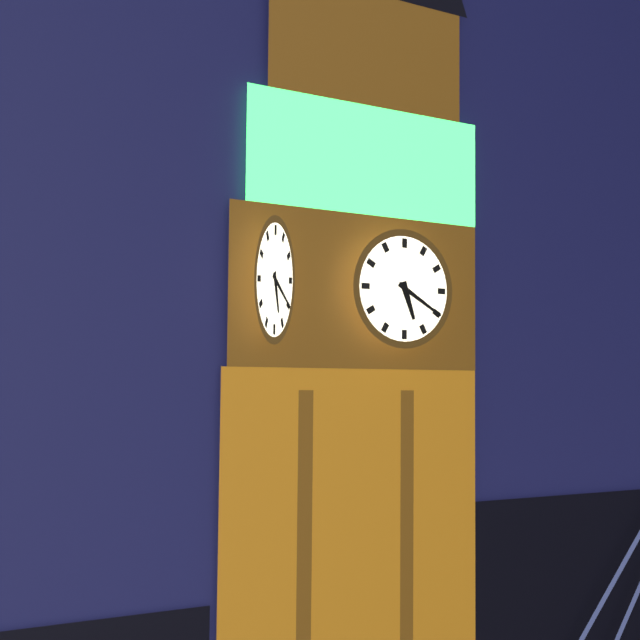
5:20
